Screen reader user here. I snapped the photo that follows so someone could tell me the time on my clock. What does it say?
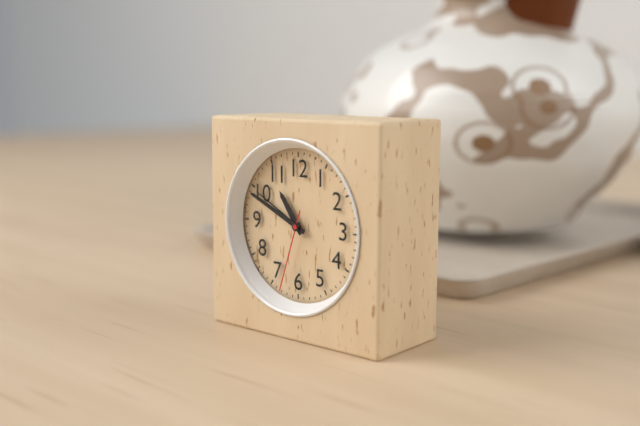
10:49:33
